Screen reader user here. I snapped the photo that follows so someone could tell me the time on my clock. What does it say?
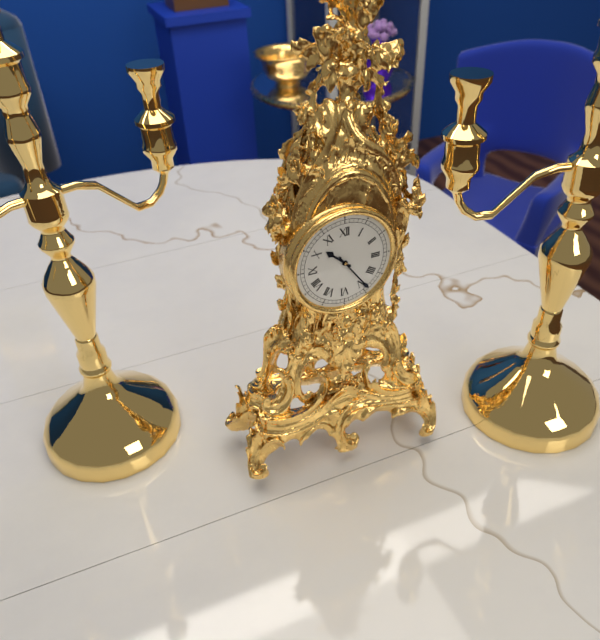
10:24
